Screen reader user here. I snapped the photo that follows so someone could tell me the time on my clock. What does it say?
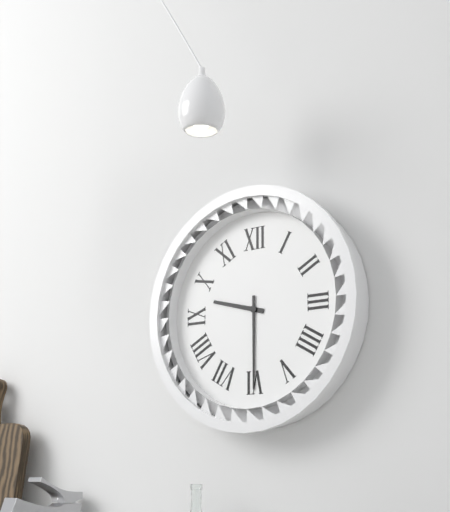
9:30
